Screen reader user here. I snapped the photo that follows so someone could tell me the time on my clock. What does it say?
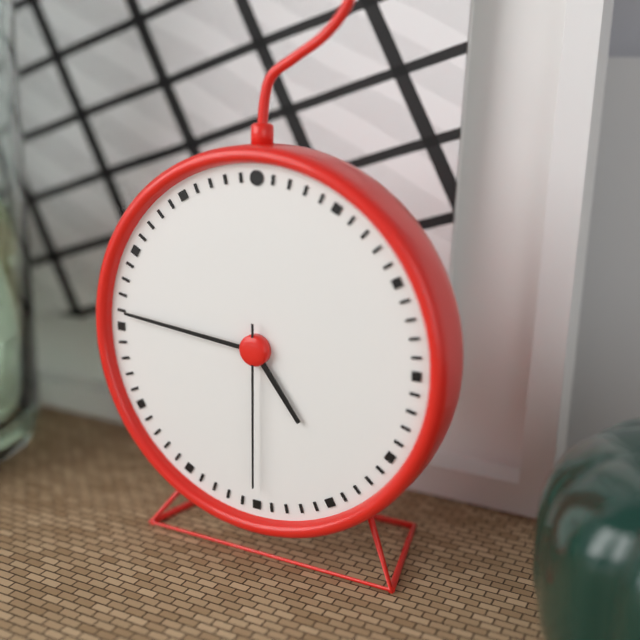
4:46:30
